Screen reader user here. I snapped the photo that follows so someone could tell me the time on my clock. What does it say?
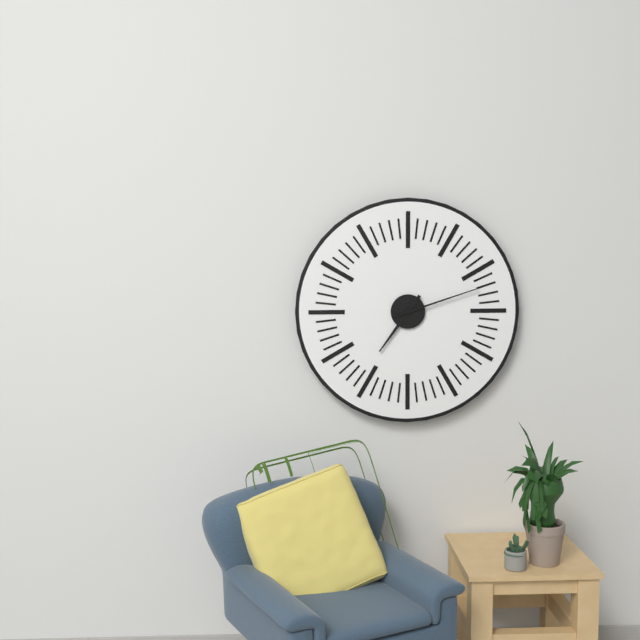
7:12
